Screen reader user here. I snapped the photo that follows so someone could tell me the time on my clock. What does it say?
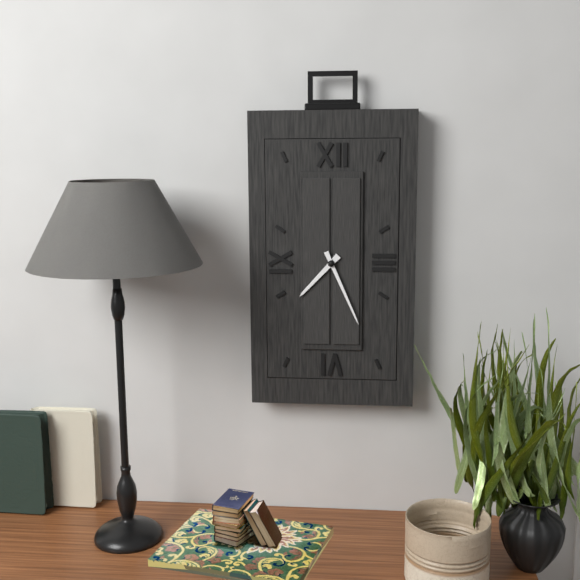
7:26
